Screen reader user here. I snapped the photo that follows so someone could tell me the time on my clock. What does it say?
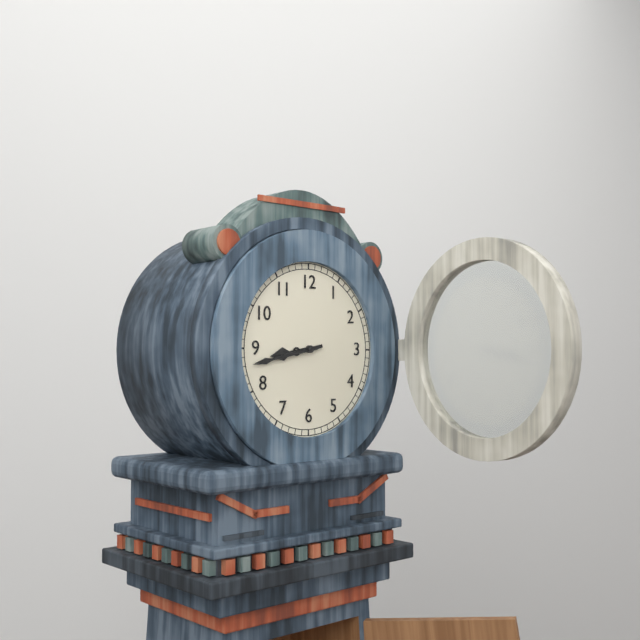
8:43
